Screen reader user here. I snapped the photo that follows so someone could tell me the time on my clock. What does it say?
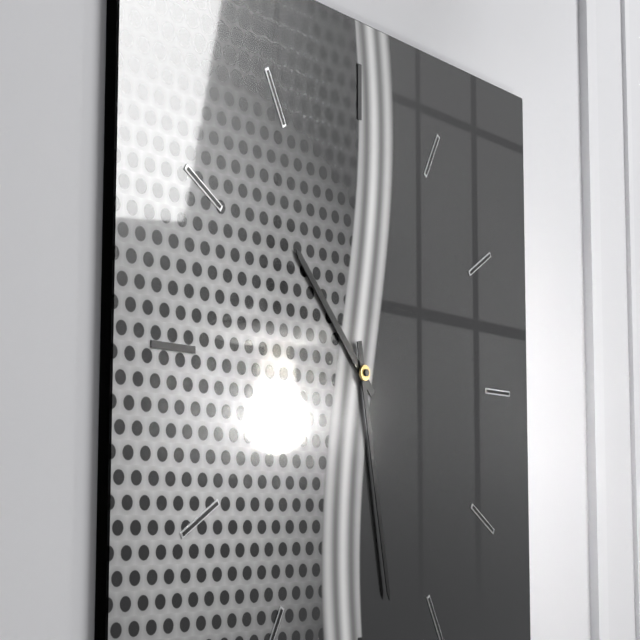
10:28
